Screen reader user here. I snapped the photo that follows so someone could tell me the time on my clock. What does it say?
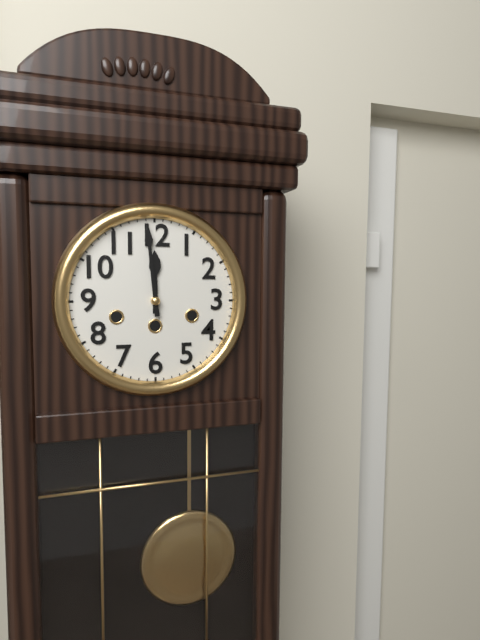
11:59
